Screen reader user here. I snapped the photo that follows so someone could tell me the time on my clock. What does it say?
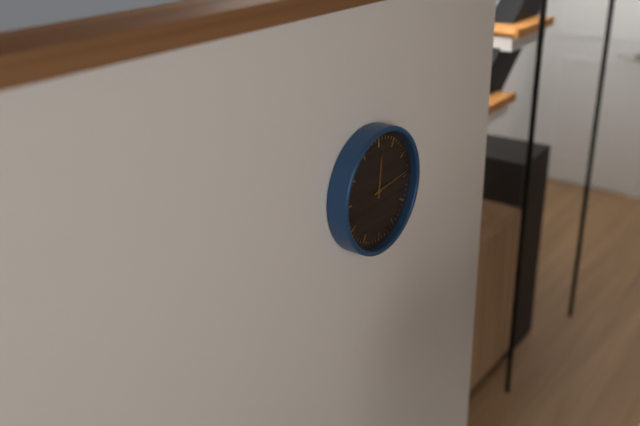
12:14
